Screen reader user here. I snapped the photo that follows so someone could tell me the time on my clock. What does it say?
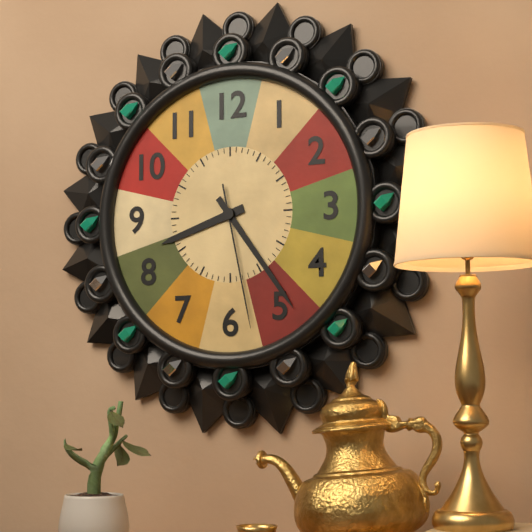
8:24:28
